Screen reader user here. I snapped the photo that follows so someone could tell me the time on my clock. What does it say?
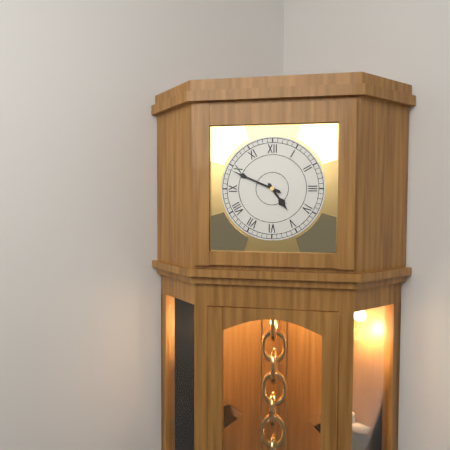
4:49
